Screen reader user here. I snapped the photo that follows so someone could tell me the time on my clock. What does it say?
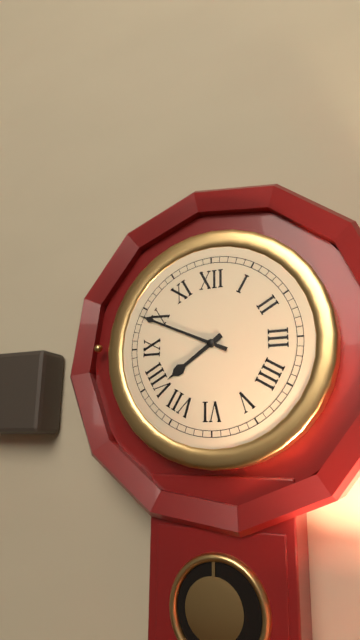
7:49
